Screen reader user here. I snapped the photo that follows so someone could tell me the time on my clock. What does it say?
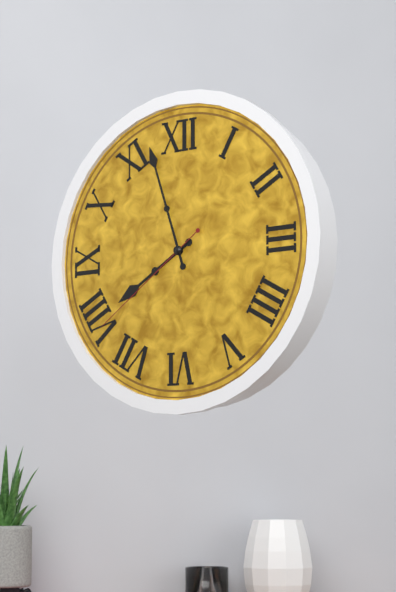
7:57:39
